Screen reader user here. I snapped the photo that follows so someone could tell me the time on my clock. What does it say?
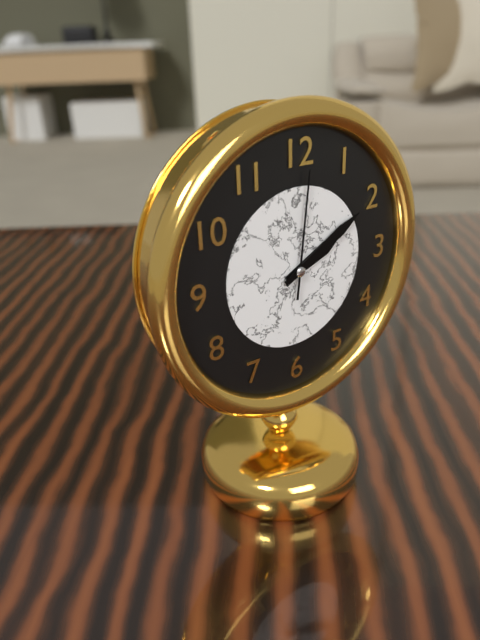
2:10:01
